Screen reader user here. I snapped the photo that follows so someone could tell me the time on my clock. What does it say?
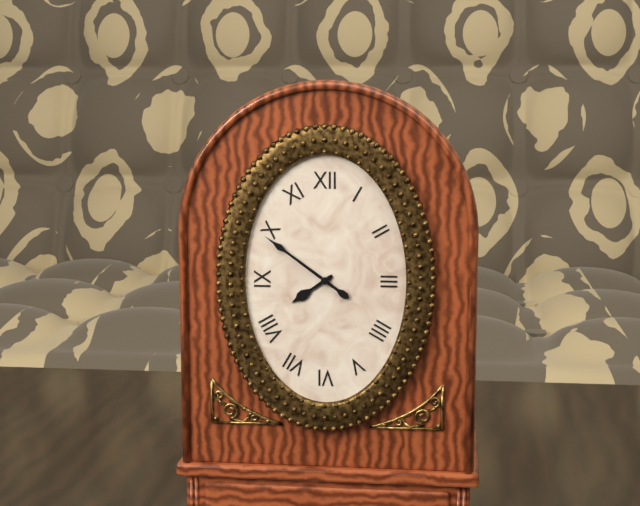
7:51
